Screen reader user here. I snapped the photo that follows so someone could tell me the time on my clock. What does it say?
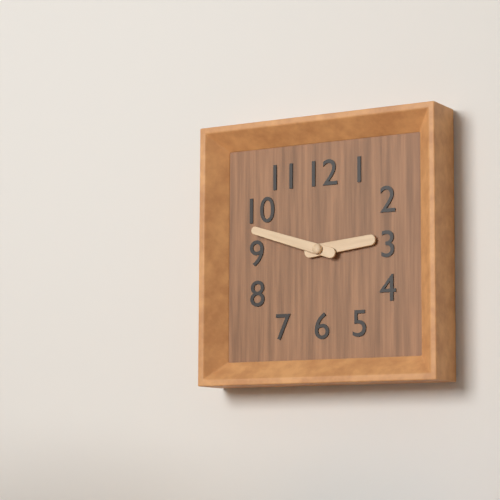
2:48
